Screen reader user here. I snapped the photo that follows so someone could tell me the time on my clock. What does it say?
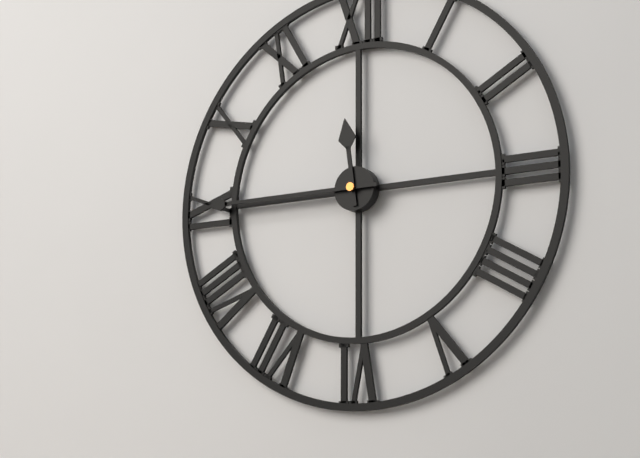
11:45
